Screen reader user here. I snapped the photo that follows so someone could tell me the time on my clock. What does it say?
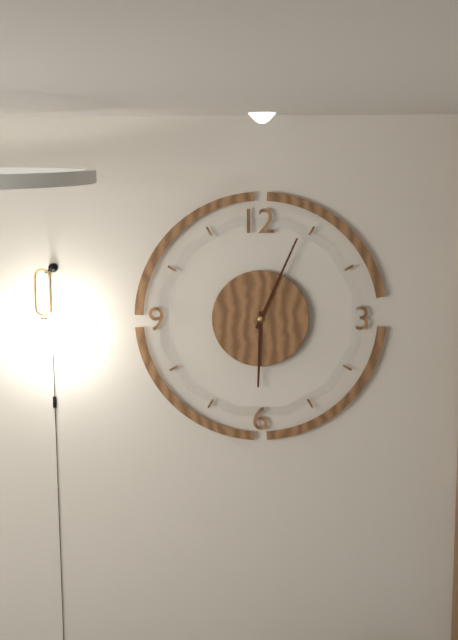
6:04
